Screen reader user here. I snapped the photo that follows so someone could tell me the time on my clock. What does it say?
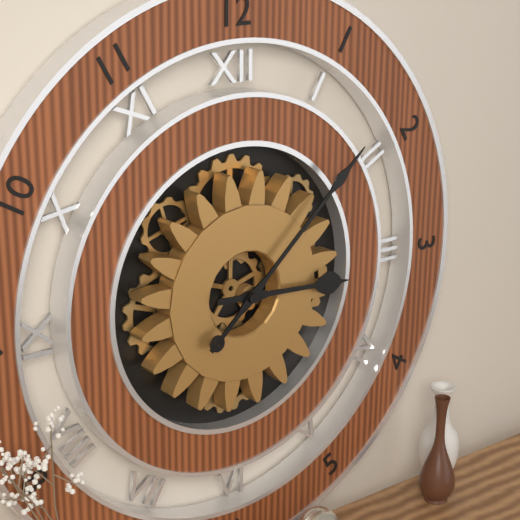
3:08
